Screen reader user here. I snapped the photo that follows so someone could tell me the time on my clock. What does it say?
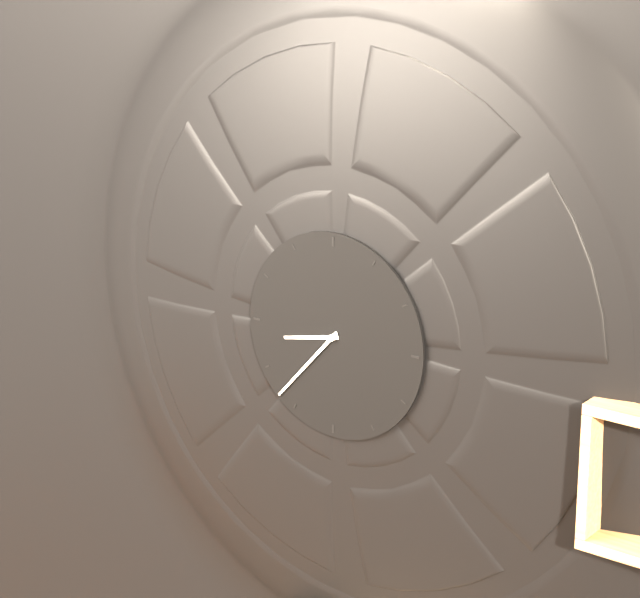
8:37
